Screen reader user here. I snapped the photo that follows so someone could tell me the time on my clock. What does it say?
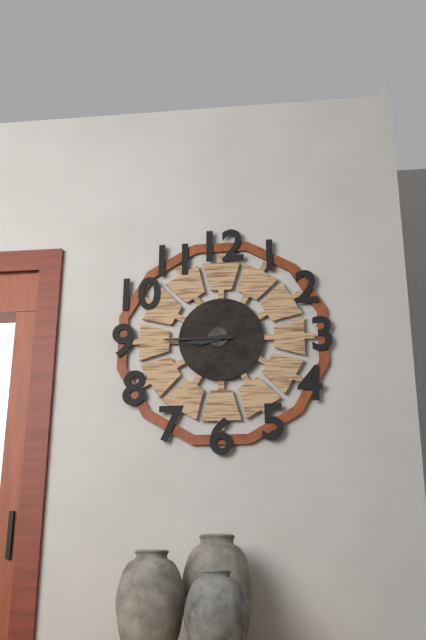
8:45
